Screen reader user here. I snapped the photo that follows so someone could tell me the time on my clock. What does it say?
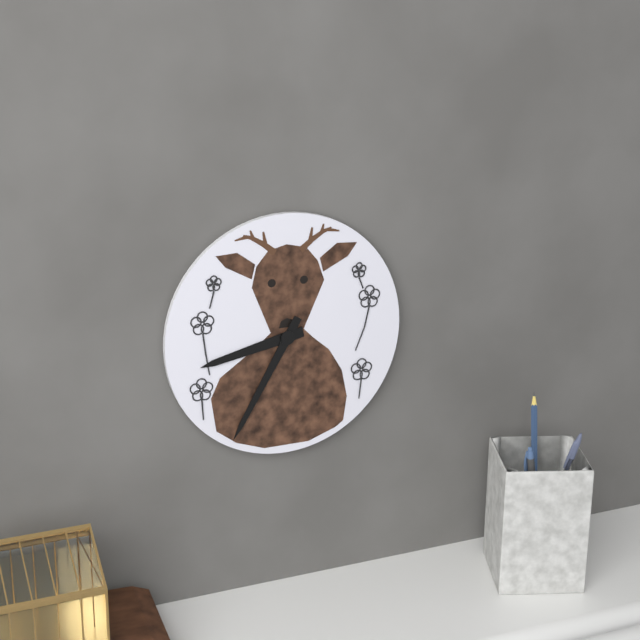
8:35
